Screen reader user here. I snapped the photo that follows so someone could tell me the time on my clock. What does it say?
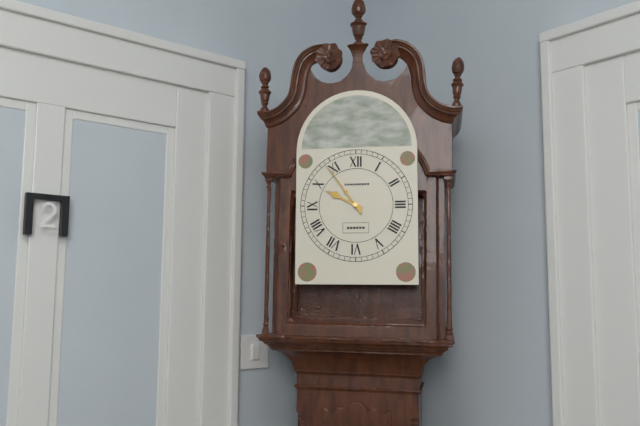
9:54
